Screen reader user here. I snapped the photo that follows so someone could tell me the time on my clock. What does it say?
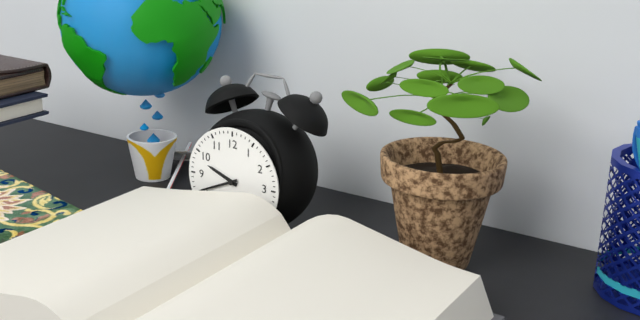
9:41
